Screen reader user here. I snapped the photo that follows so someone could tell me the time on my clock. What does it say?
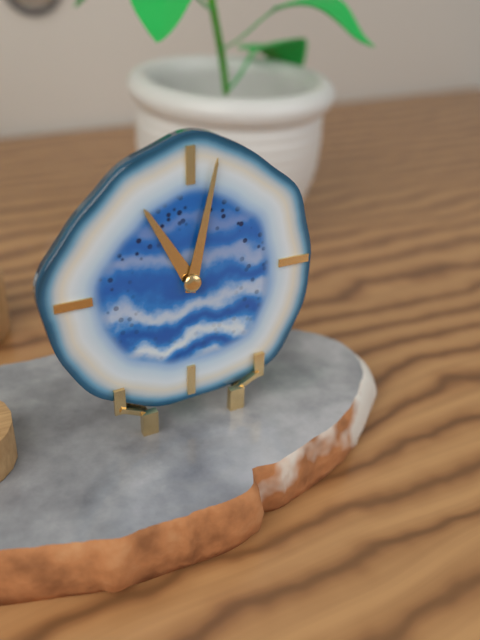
11:02
